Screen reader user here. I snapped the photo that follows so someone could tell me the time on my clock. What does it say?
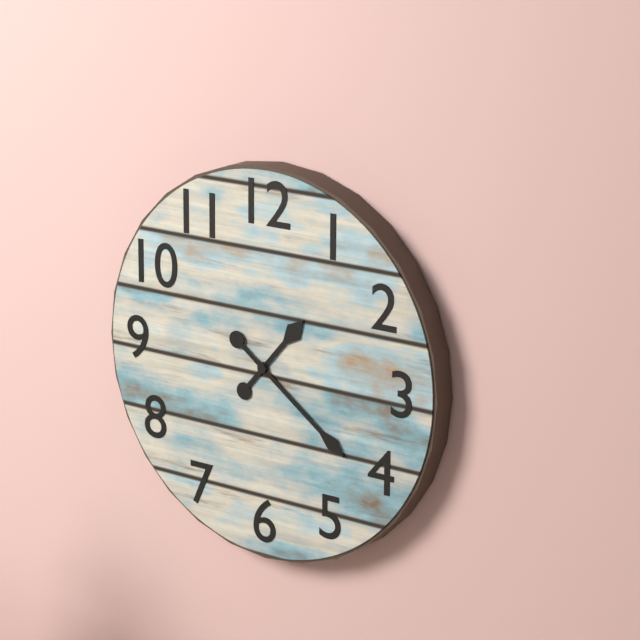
1:21
